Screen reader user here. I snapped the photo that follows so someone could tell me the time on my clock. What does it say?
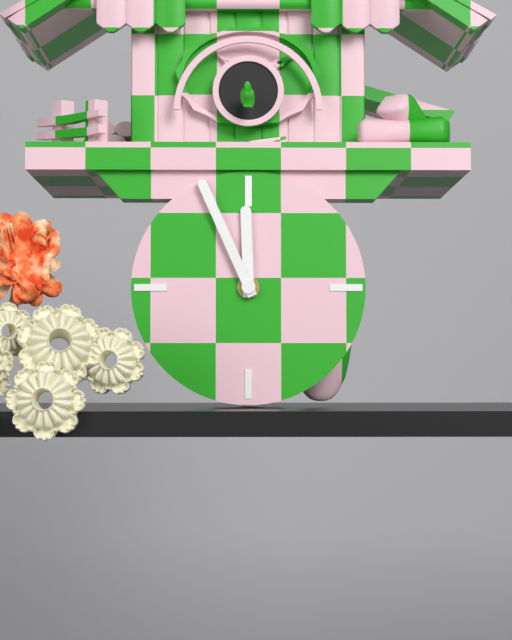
11:56
